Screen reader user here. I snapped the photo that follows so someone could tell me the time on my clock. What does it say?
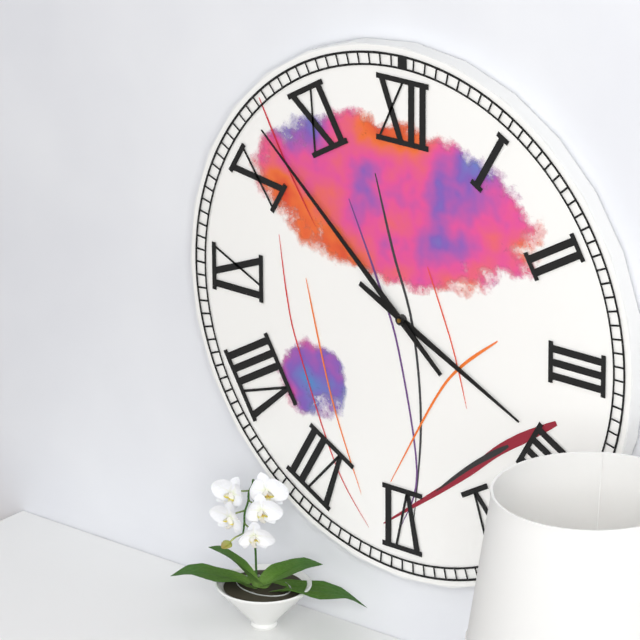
3:52
